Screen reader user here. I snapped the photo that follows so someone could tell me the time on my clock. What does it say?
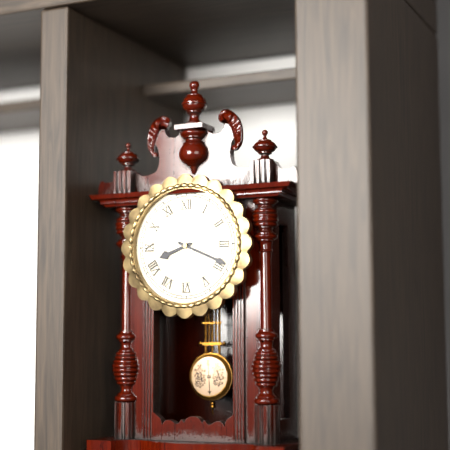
8:19
